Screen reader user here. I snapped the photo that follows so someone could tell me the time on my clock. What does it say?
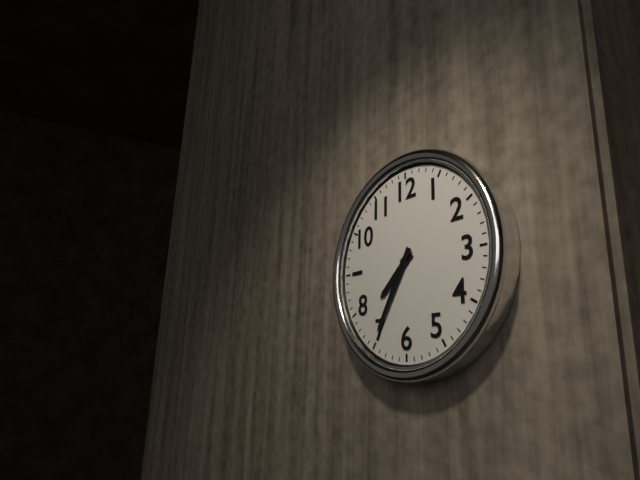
7:35
